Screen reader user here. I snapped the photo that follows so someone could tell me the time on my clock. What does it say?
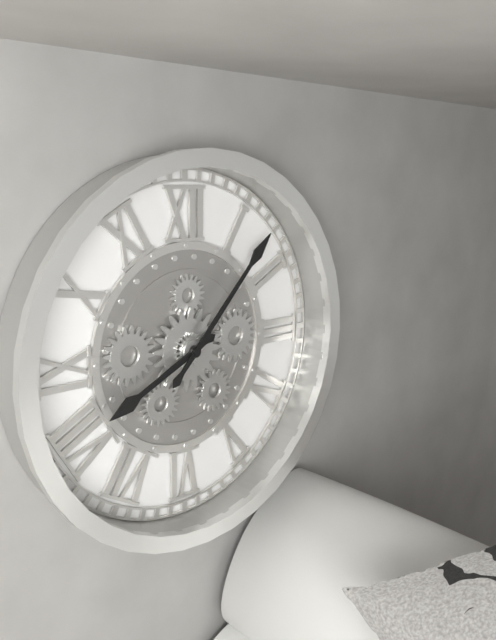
8:07
